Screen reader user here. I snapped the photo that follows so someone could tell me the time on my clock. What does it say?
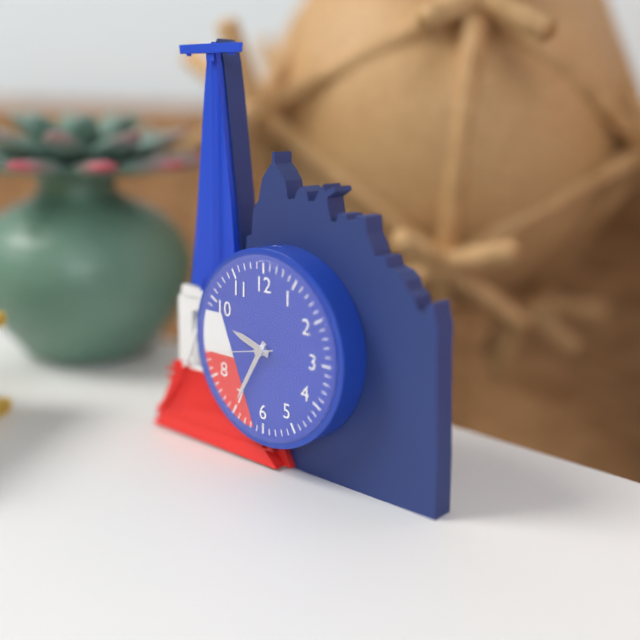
9:35:43
